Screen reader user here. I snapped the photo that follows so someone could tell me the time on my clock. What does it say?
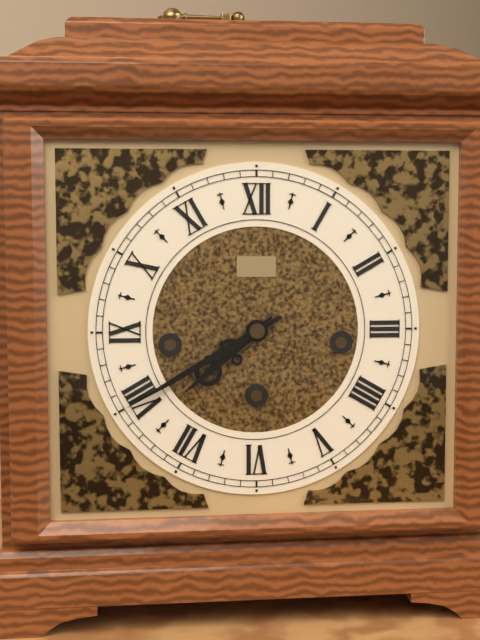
7:40
